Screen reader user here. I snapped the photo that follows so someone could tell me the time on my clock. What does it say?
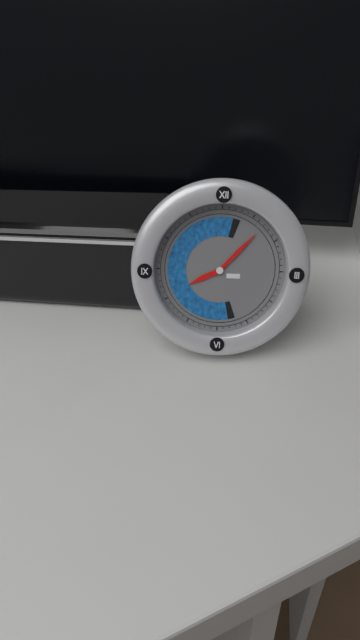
8:07
